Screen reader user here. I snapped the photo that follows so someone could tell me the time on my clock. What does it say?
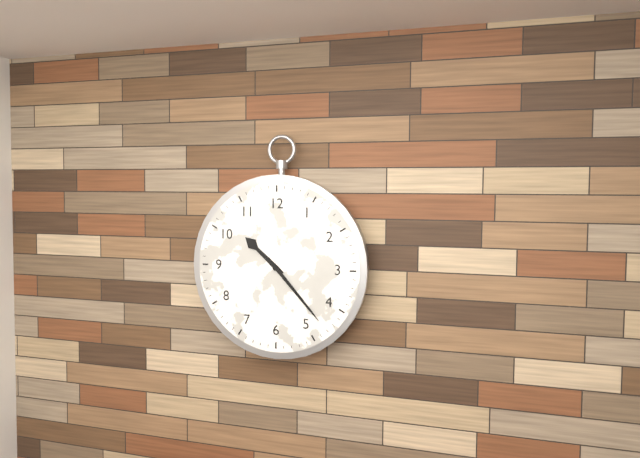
10:23
